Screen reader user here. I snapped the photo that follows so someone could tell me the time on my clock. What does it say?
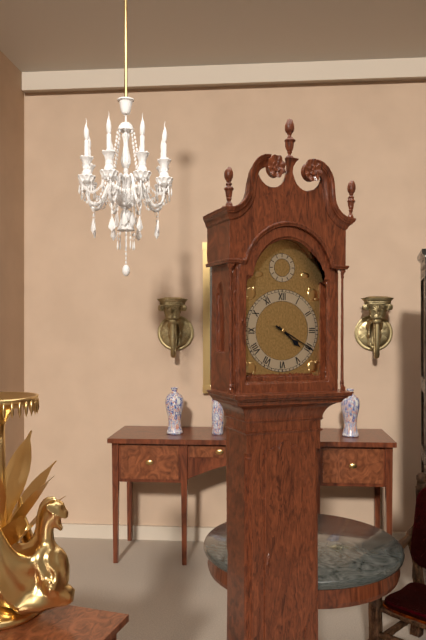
4:20
